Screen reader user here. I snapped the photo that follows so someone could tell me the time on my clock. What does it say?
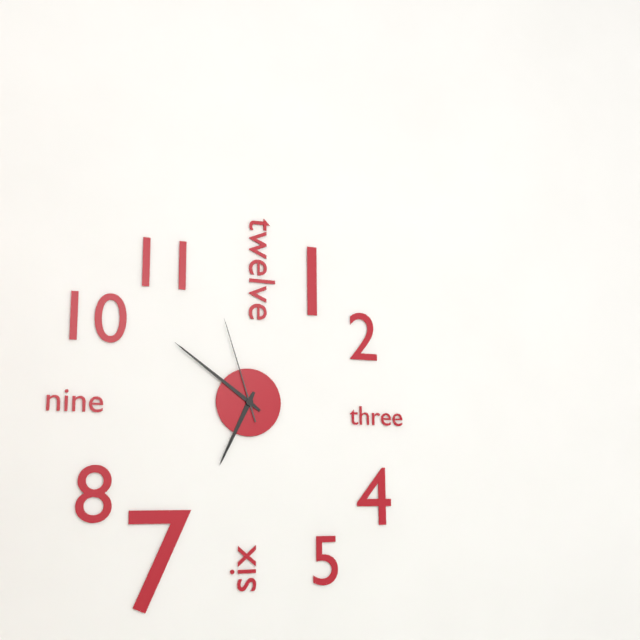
6:51:57
